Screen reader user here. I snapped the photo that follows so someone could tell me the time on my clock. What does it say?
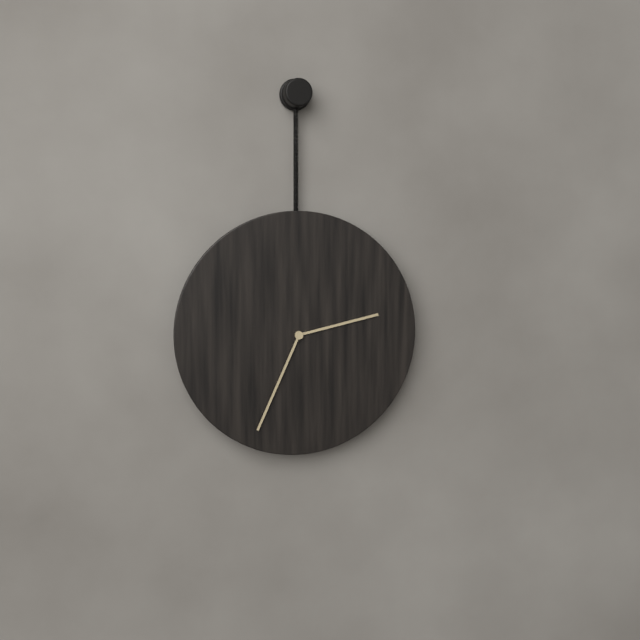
2:34
